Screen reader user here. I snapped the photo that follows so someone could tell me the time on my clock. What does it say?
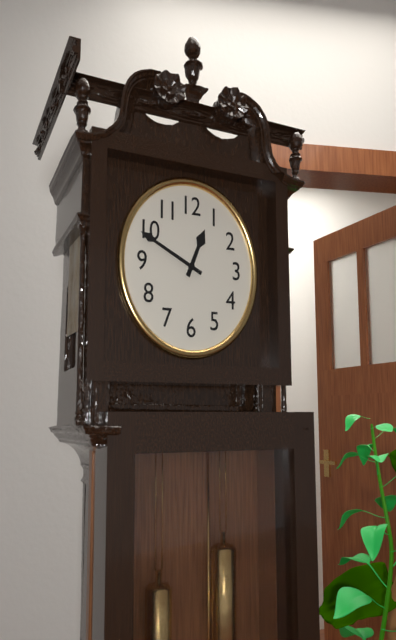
12:49
